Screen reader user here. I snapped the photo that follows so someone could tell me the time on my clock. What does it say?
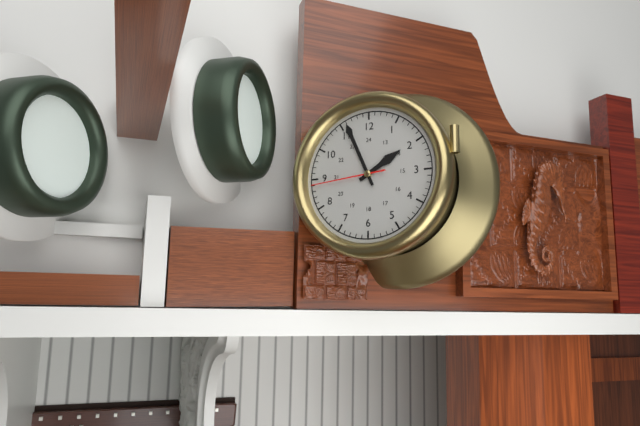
1:56:44
